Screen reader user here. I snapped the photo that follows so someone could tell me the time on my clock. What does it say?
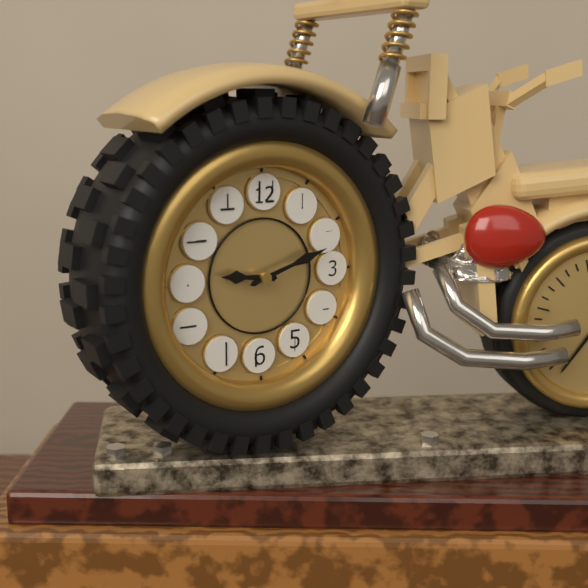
9:12
